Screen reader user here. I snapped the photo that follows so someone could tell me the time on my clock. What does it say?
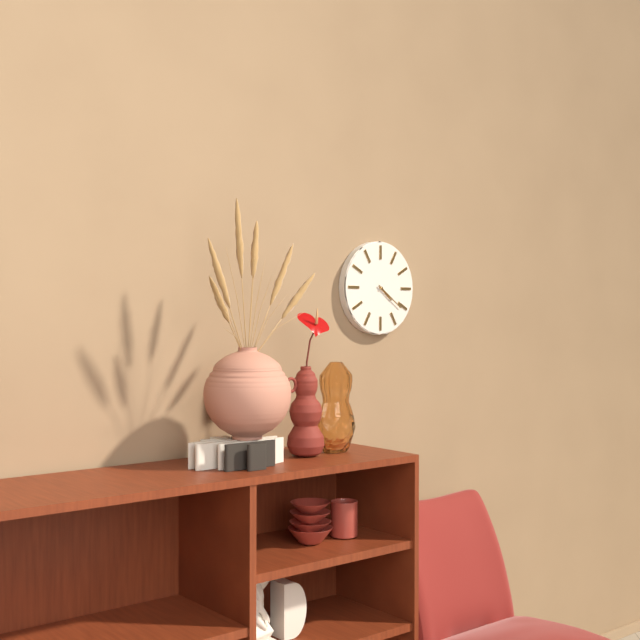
4:21
